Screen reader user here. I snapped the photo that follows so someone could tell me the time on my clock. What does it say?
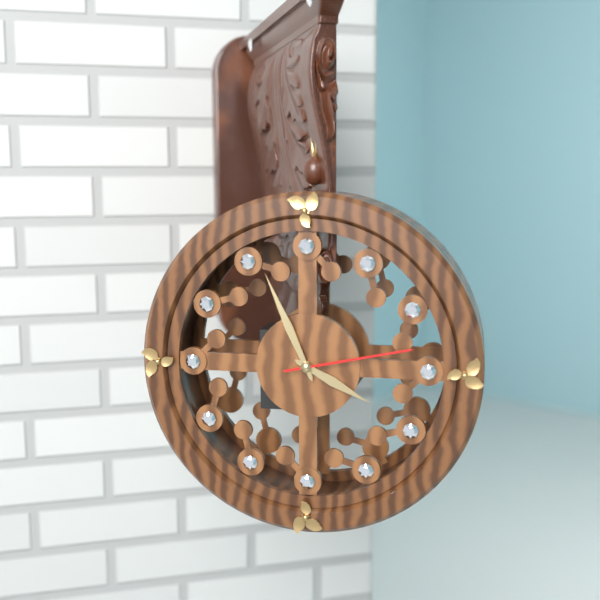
3:56:13
